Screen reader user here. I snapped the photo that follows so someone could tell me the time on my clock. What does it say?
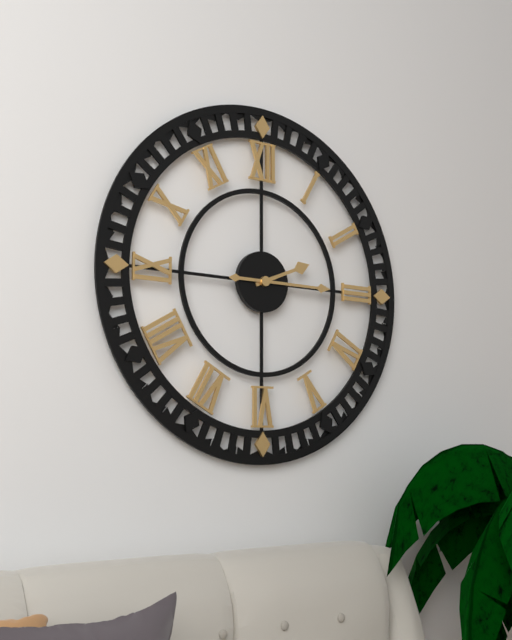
2:15
